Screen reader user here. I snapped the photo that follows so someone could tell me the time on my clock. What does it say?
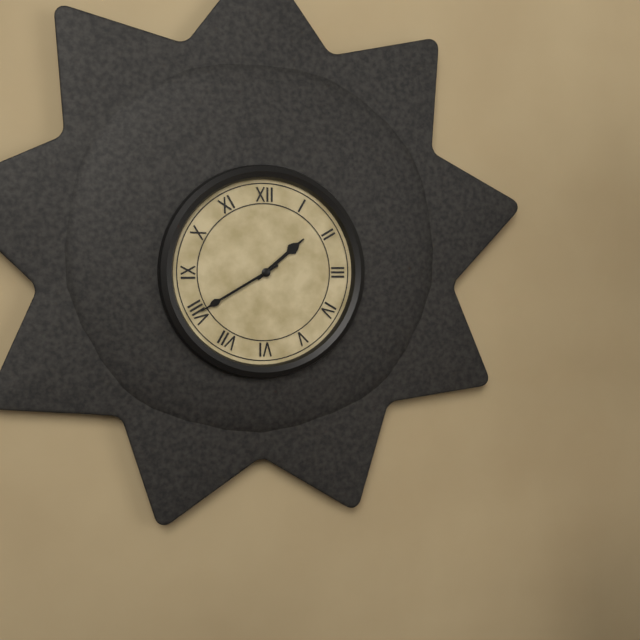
1:40
